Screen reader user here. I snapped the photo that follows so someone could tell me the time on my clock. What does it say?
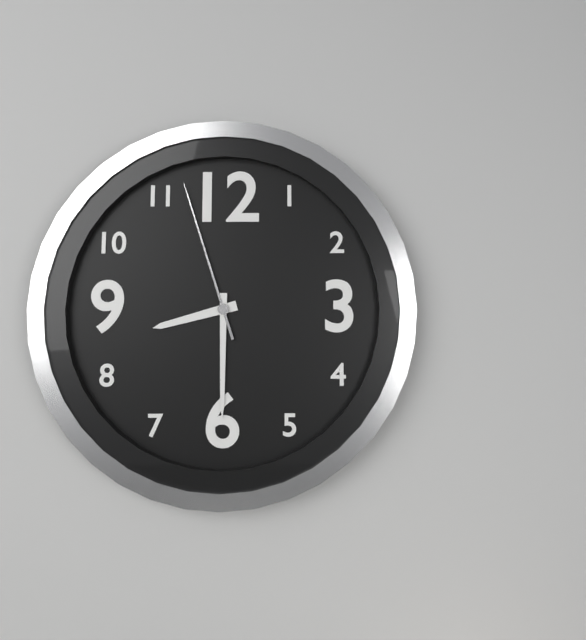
8:30:57
